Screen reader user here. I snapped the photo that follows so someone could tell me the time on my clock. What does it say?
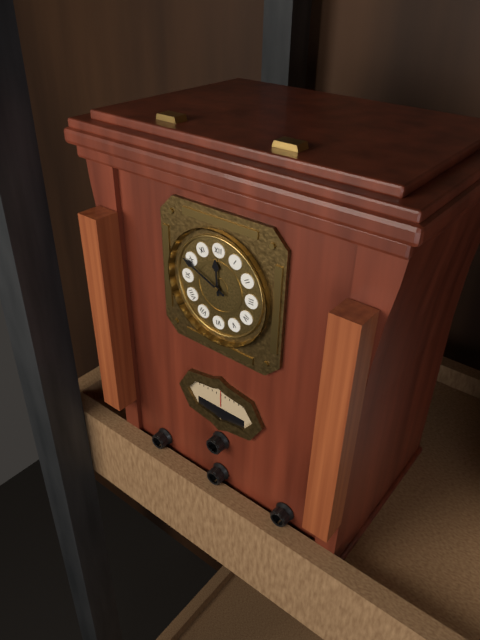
11:49
